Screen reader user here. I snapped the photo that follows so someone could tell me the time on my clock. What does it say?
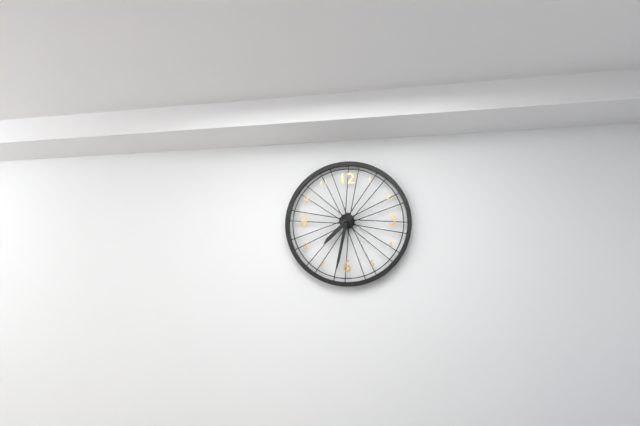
7:32
